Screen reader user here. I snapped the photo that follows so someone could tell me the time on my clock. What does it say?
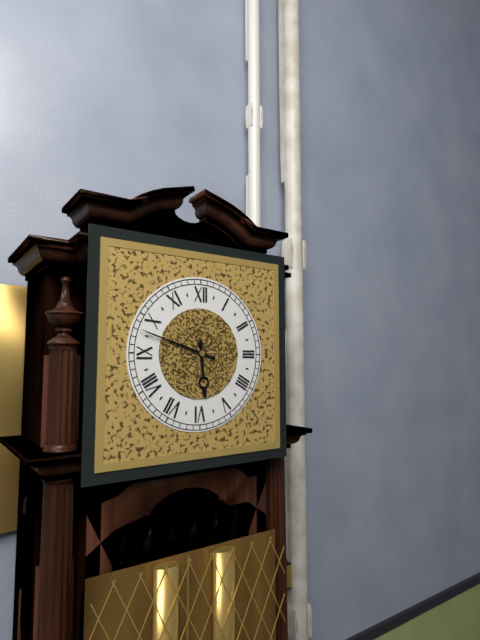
5:48
